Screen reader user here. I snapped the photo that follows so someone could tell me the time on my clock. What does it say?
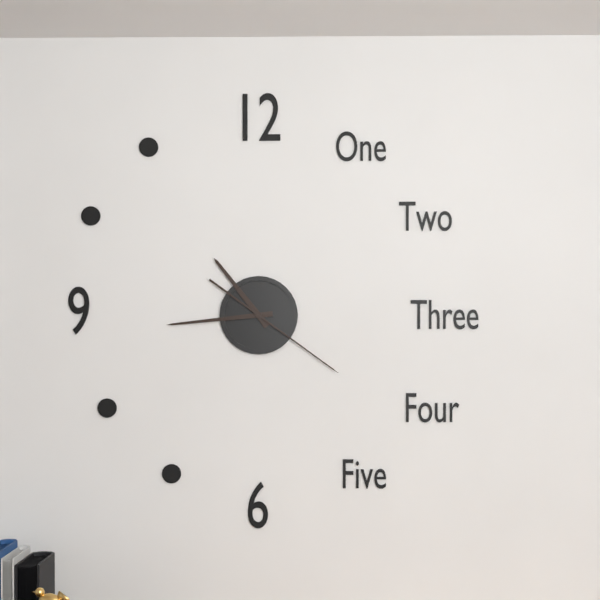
10:44:21
